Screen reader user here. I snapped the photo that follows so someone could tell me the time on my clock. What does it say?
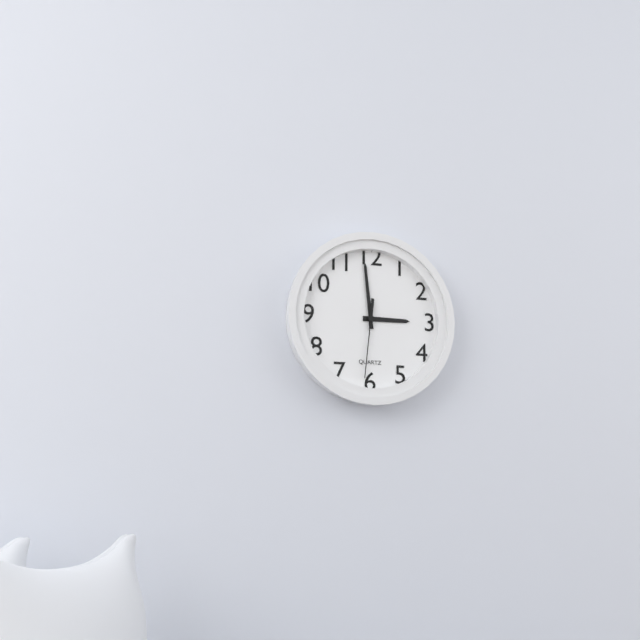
2:59:31
